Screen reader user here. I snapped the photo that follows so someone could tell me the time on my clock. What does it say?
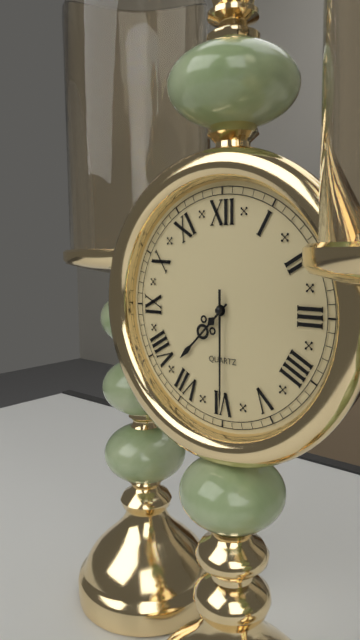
7:30
